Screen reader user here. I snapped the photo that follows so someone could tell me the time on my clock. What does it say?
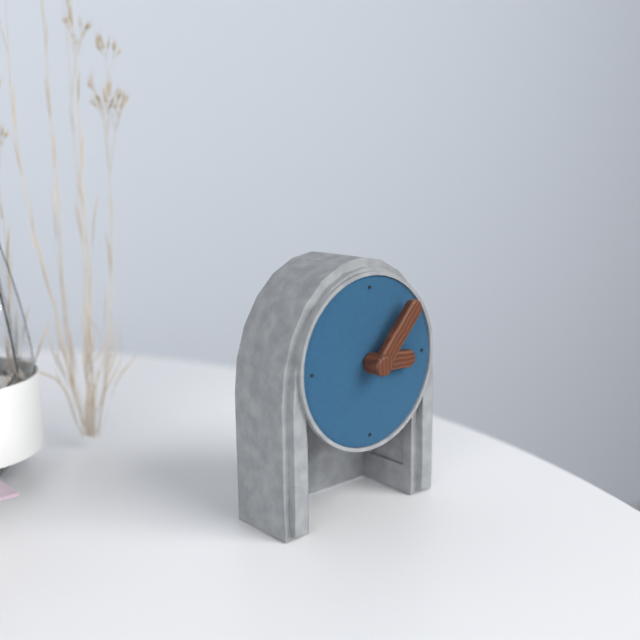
3:07
